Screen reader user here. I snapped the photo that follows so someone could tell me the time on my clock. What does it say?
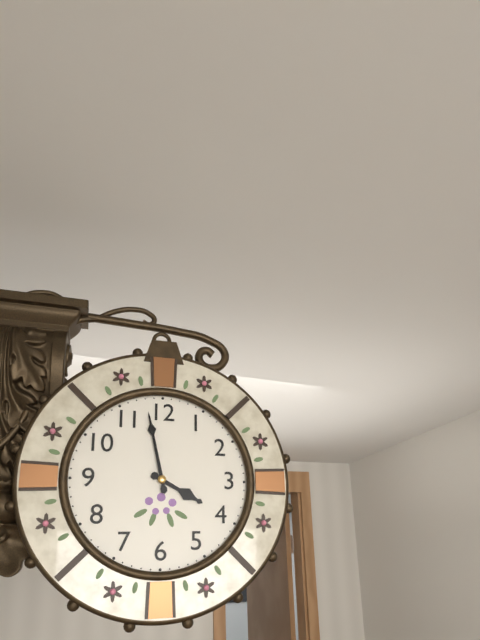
3:58
